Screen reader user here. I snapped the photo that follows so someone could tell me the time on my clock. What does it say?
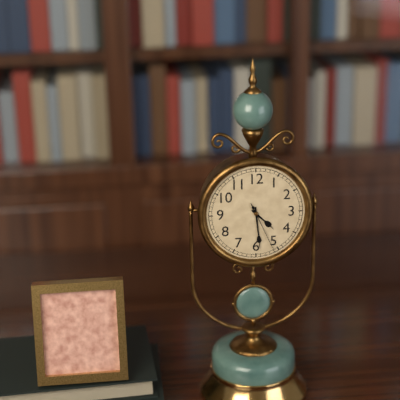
4:29
